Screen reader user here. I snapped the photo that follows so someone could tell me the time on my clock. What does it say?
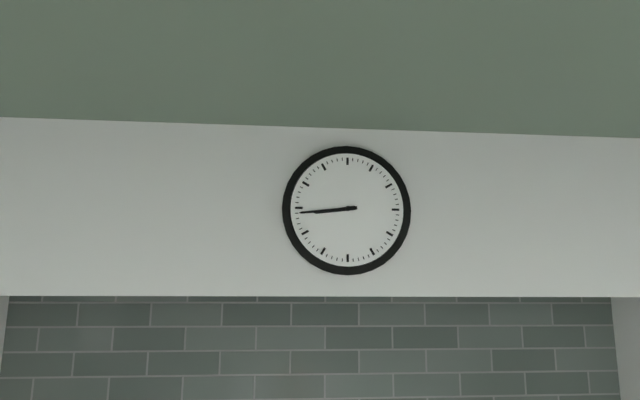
8:44
